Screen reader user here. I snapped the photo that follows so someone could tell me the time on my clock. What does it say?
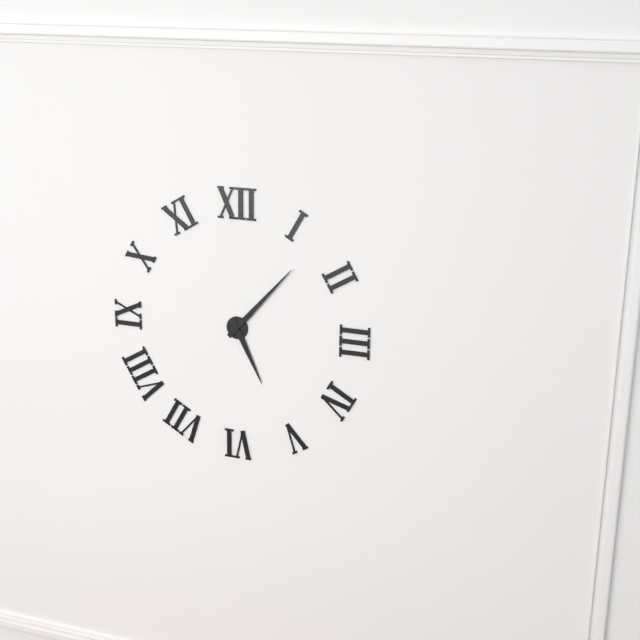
5:07
